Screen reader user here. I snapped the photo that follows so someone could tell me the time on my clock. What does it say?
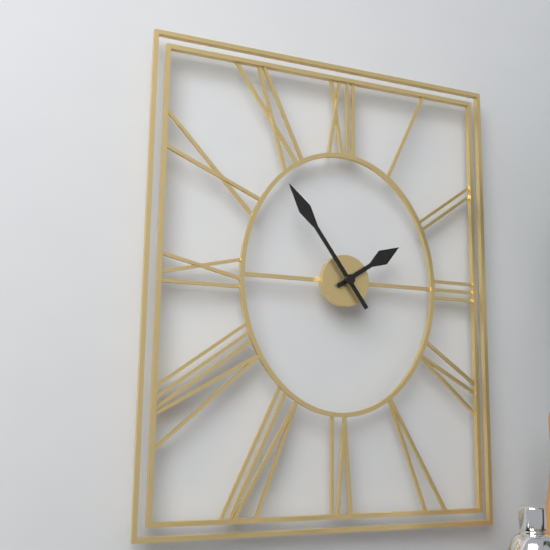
1:54
